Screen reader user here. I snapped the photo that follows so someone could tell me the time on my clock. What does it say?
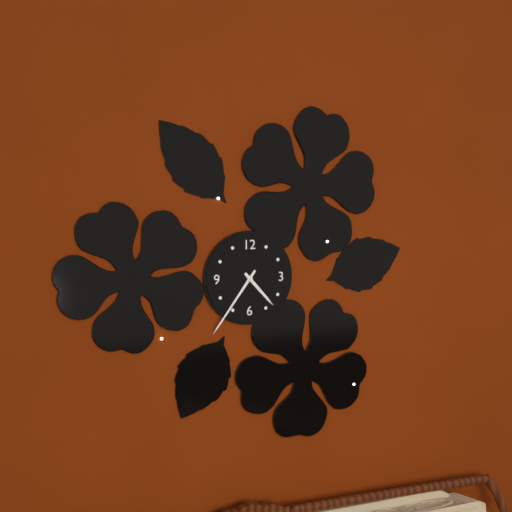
4:36
